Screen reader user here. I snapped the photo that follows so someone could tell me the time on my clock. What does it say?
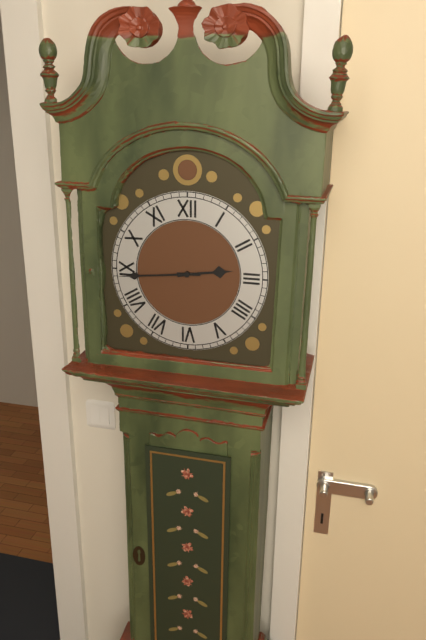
2:44
